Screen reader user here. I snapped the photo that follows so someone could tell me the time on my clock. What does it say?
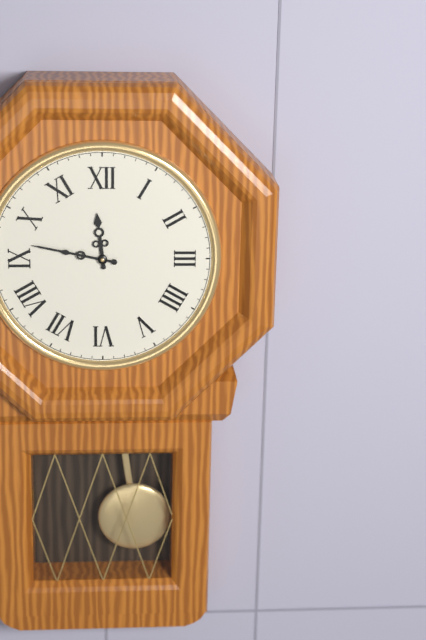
11:47
